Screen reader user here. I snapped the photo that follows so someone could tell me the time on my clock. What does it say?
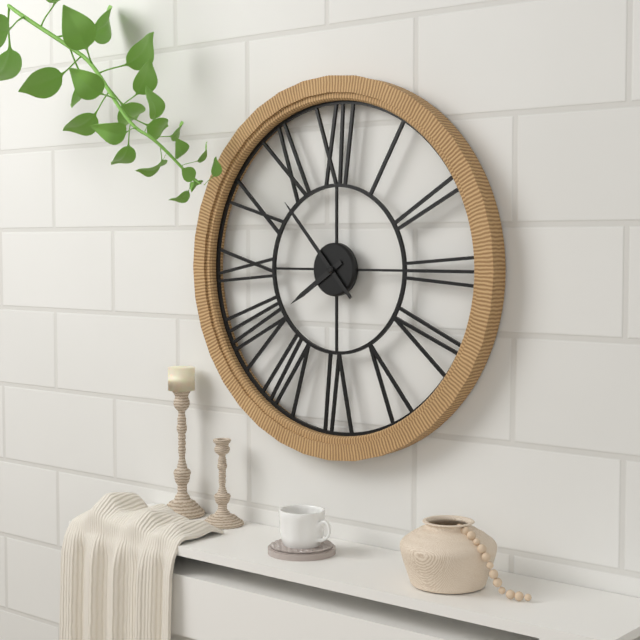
7:53
